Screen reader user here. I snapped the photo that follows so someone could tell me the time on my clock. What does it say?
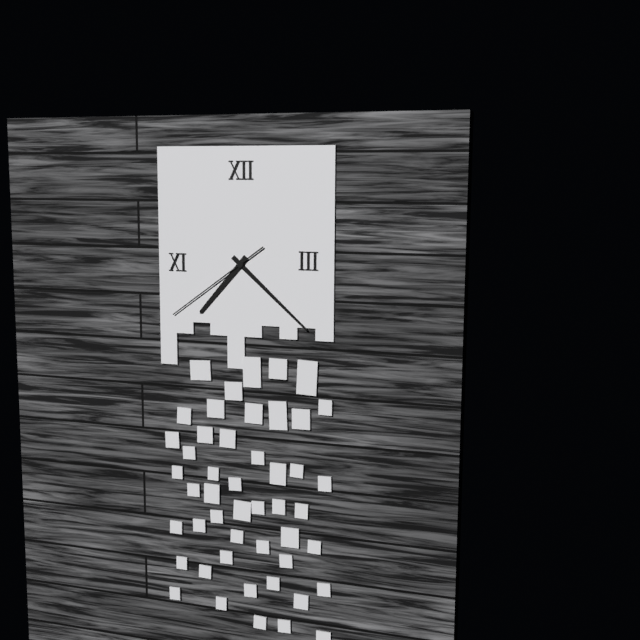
7:22:39
